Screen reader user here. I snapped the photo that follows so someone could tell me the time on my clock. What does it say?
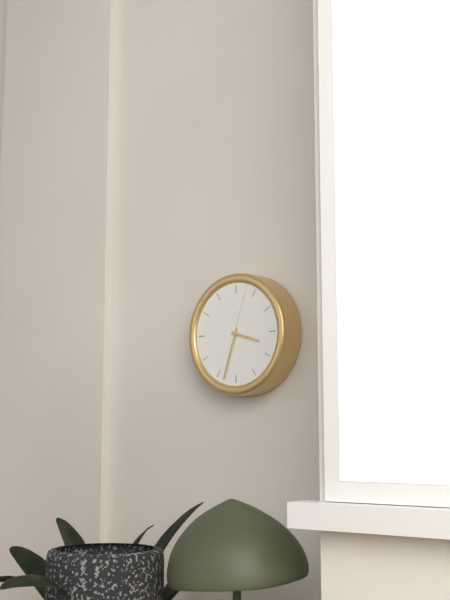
3:33:03
